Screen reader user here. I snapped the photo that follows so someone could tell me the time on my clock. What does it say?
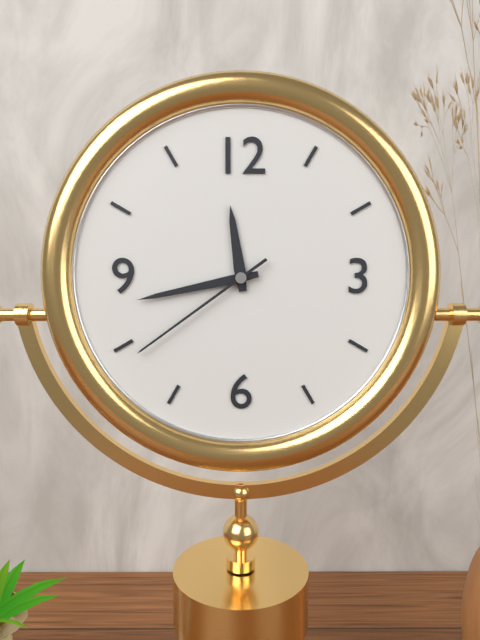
11:43:39
